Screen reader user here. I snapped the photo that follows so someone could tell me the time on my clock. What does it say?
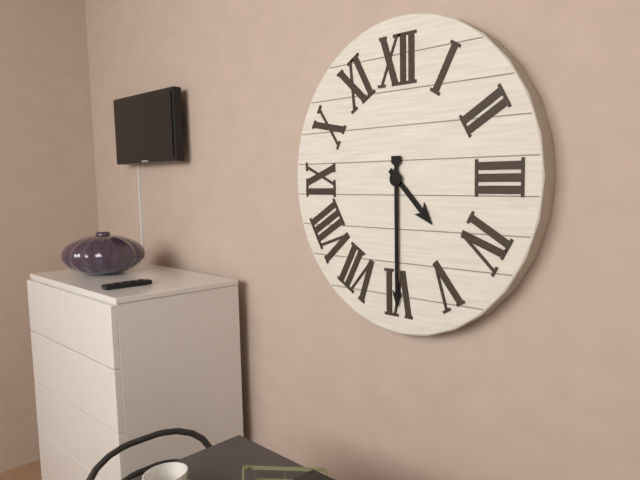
4:30
